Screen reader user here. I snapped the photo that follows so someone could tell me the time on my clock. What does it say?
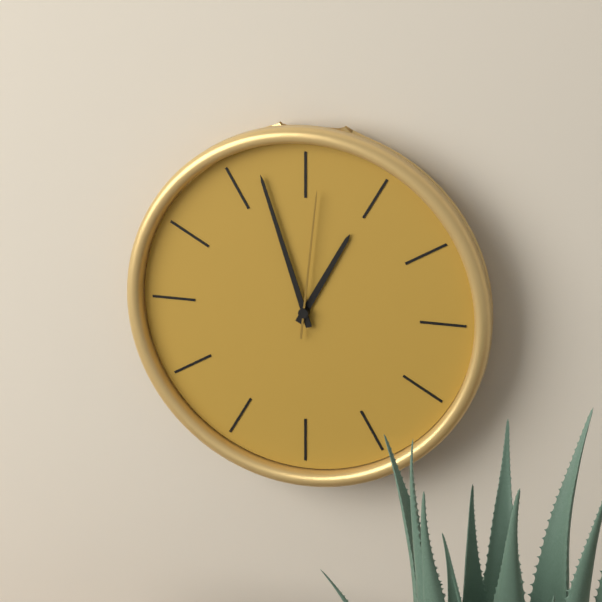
12:57:01
